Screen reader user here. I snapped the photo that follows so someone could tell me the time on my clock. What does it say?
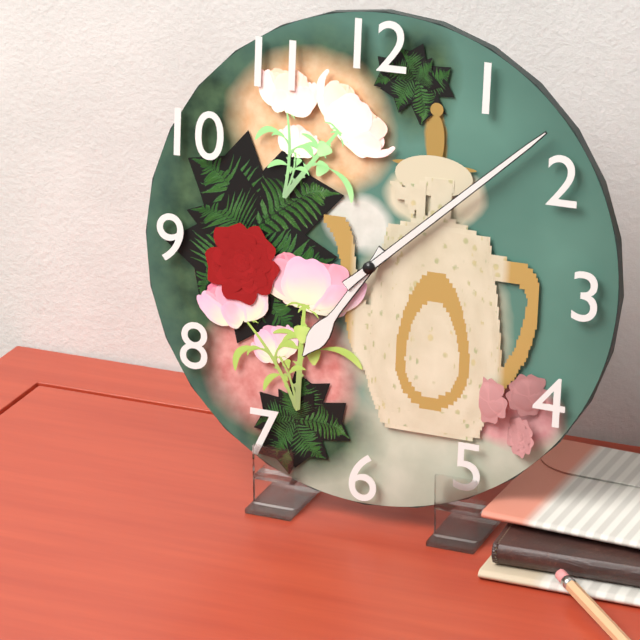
7:08
